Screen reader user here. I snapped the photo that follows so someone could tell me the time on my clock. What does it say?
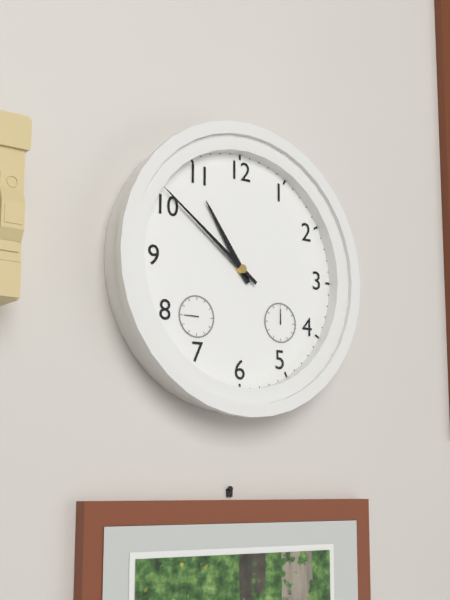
10:51
